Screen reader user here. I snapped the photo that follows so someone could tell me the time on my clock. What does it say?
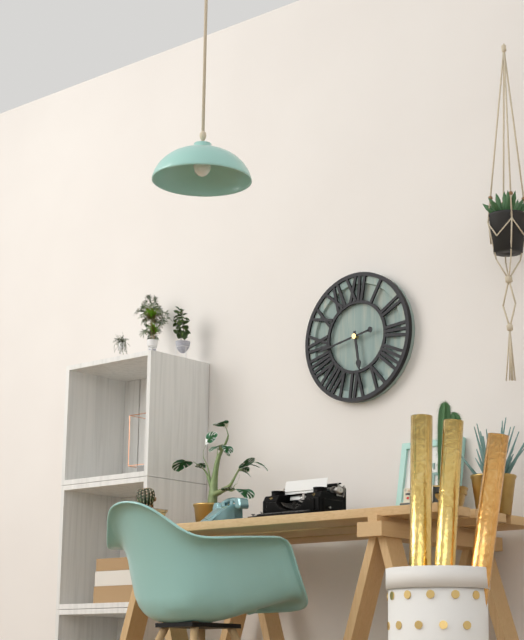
5:43
